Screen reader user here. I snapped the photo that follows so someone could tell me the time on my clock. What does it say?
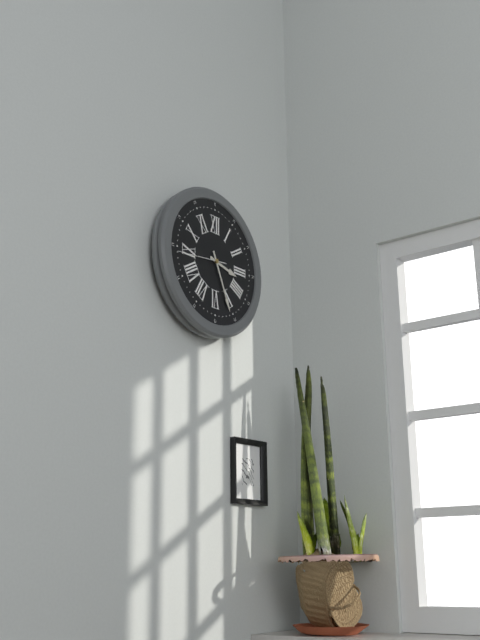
3:26:44
